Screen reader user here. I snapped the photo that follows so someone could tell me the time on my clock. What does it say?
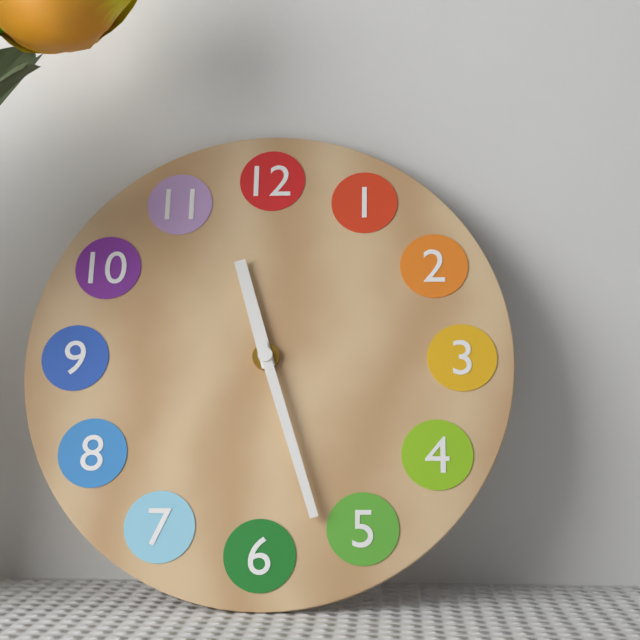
11:27
